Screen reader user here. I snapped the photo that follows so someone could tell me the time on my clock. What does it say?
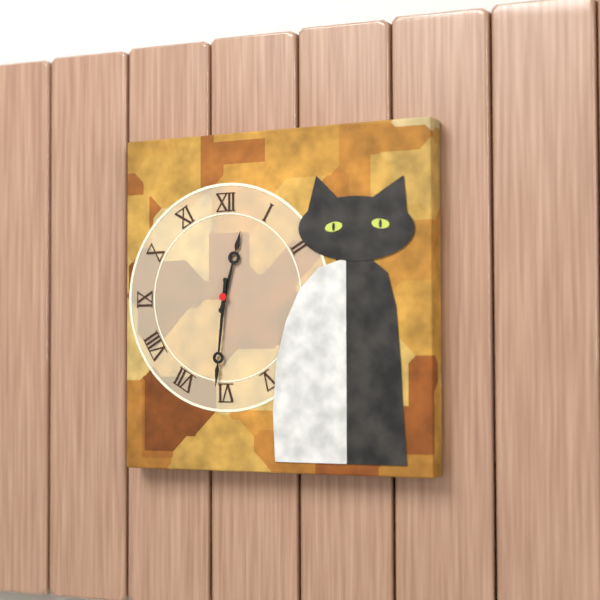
12:31
